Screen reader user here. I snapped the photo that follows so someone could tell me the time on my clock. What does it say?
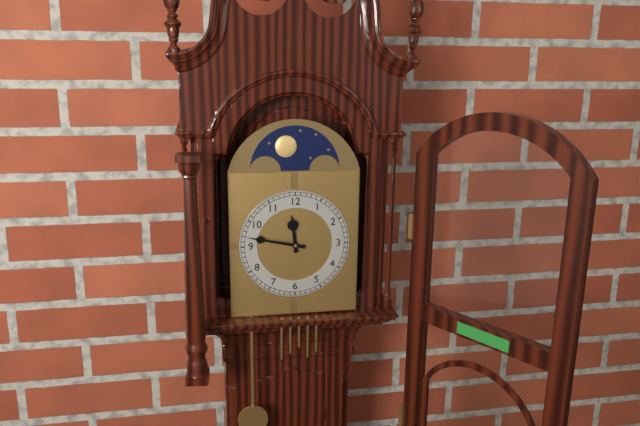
11:47
